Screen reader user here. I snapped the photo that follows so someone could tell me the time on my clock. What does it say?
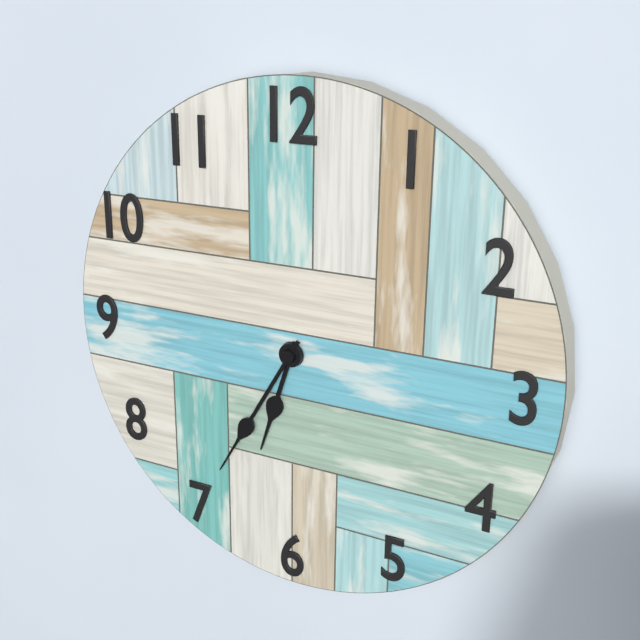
6:35
